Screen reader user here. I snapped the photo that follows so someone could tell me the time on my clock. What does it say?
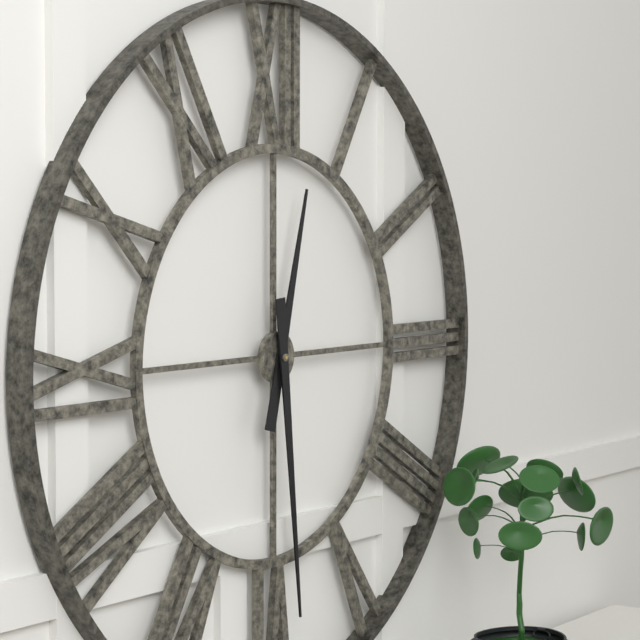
12:29
